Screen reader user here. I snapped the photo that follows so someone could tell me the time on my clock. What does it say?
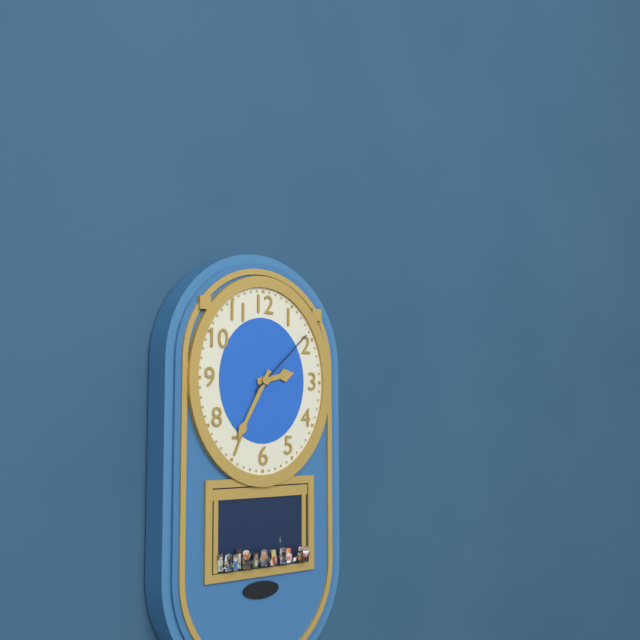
2:35:08
